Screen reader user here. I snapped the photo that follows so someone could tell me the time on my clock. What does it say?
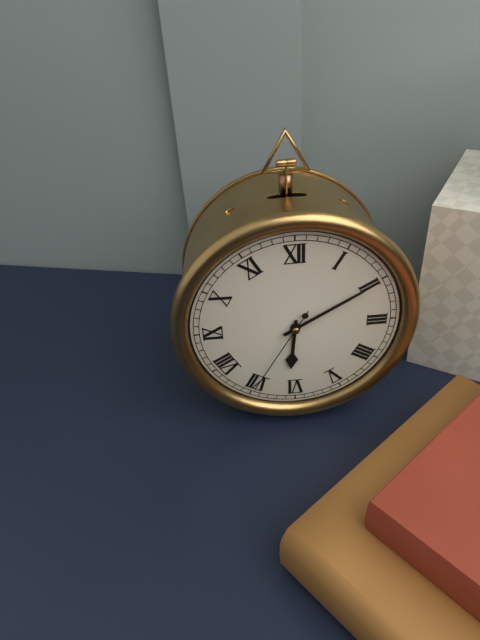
6:10:35
